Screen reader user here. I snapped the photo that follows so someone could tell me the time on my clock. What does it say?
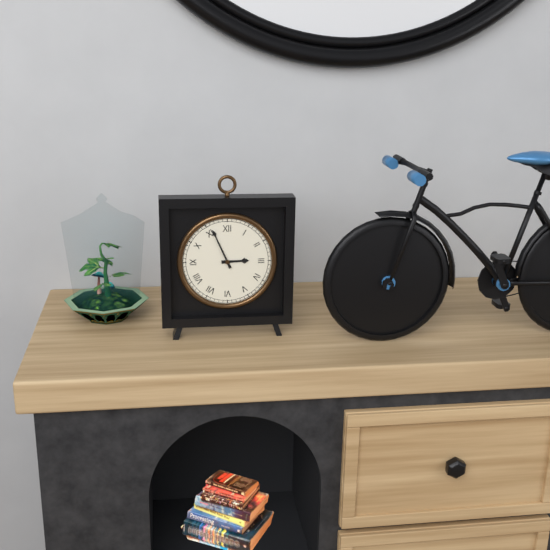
2:56
